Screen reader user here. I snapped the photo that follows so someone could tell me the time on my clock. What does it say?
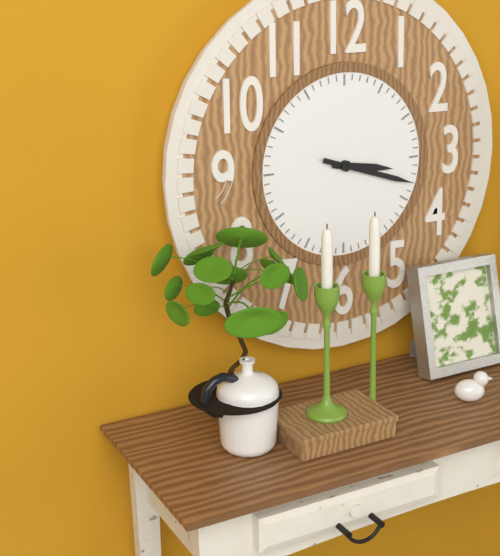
3:18
